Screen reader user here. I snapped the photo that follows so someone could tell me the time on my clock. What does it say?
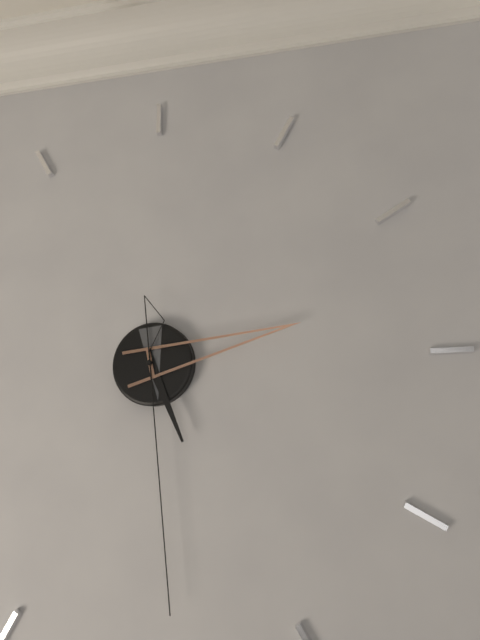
5:13:29
